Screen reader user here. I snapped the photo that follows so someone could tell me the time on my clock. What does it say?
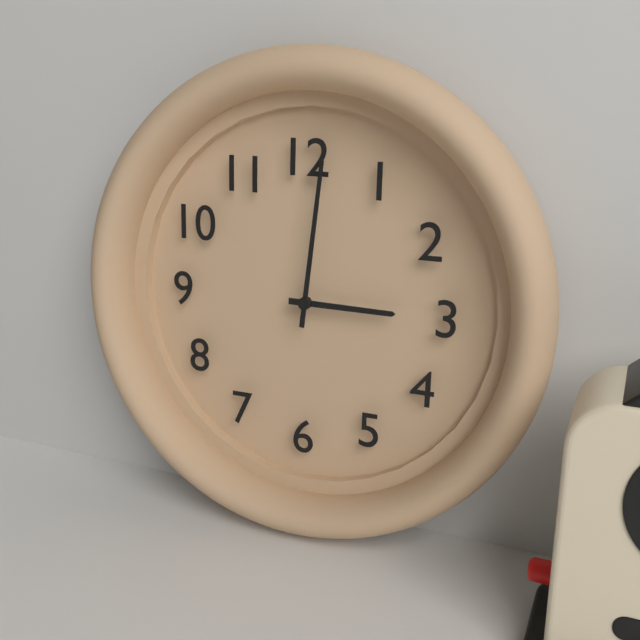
3:01
